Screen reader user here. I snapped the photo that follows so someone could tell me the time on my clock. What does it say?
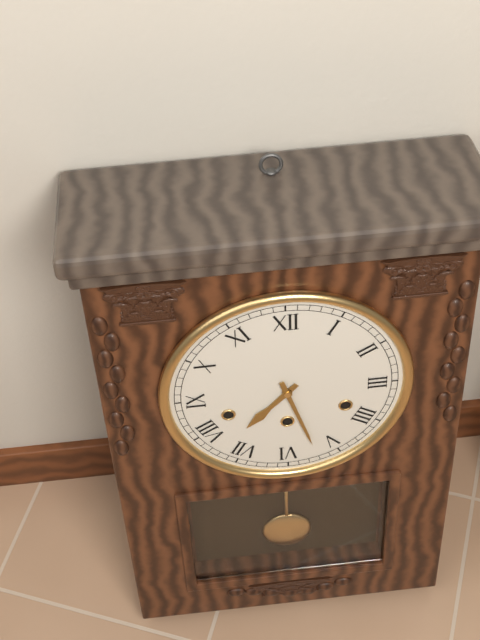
7:27
